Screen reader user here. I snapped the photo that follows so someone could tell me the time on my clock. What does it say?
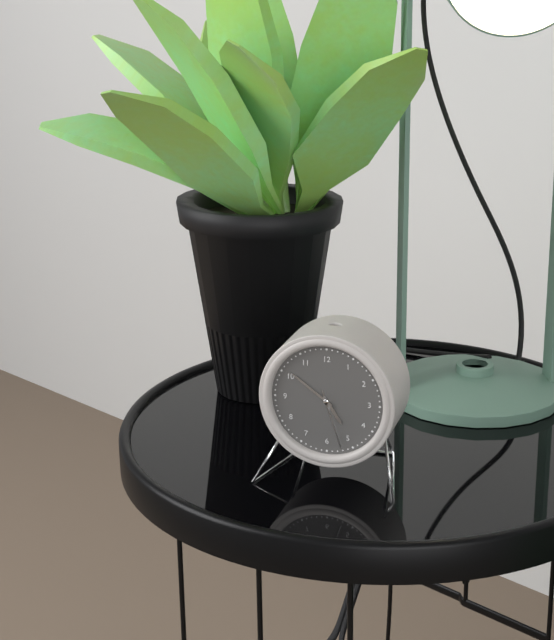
4:51:27
